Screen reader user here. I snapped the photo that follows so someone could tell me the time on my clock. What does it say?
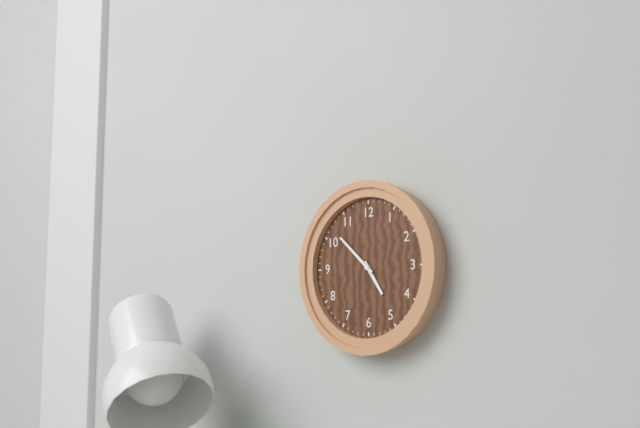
4:52
